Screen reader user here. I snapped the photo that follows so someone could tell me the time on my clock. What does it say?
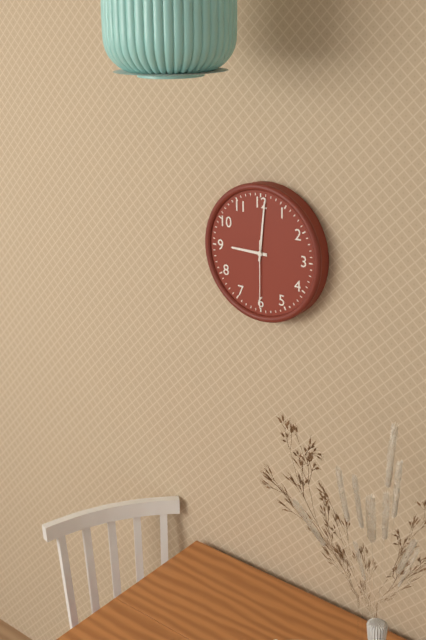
9:01:30
